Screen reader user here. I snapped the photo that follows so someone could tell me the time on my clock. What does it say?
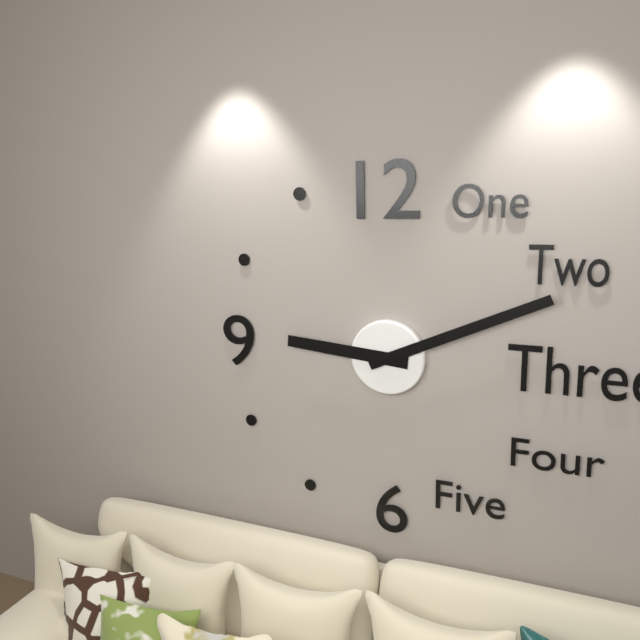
9:11
